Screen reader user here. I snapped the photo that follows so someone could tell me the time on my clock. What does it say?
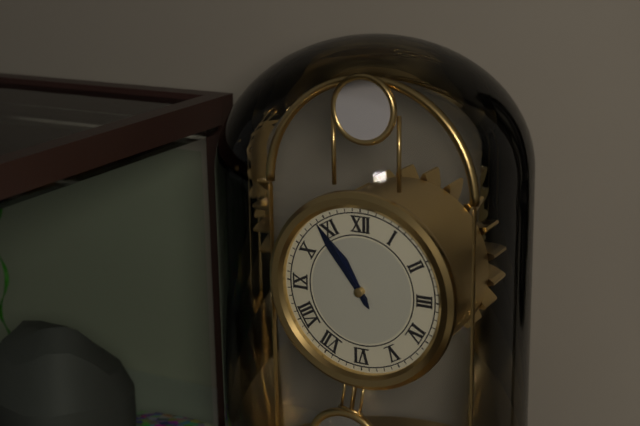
10:54
